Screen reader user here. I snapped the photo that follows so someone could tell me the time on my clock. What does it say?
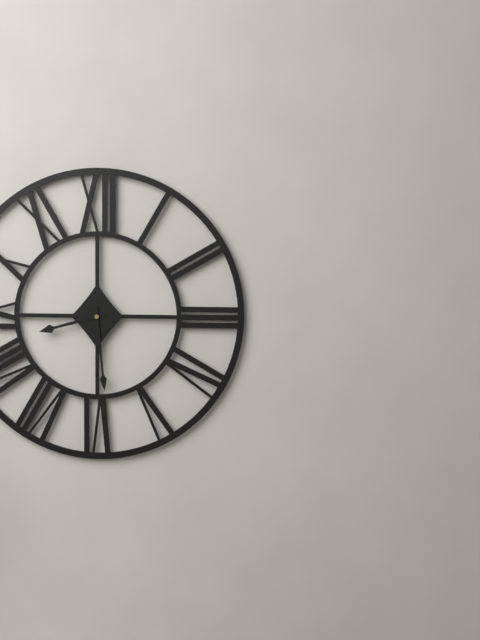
8:29
